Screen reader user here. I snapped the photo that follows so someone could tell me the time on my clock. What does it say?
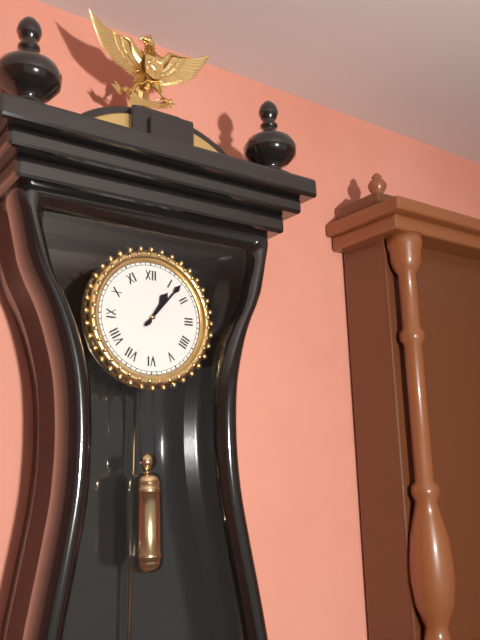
1:07
